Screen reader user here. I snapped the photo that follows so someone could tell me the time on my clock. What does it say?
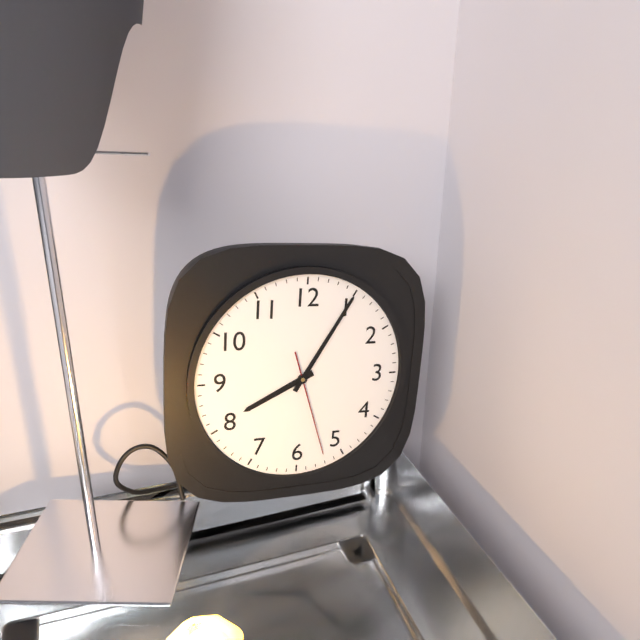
8:05:27
